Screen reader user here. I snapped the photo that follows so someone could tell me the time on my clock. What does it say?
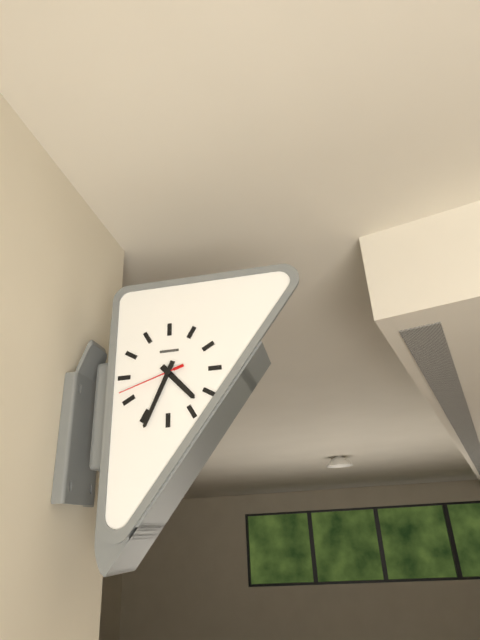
4:34:42
